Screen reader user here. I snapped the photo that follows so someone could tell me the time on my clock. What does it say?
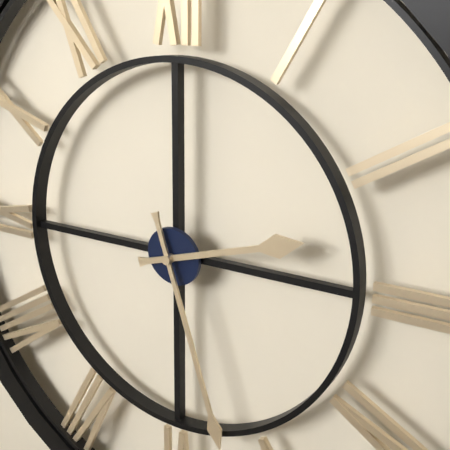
2:27
